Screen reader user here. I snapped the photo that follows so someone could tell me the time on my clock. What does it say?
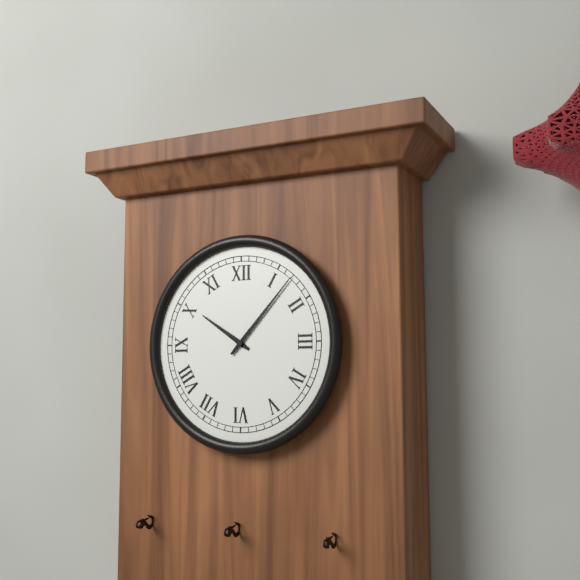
10:07
